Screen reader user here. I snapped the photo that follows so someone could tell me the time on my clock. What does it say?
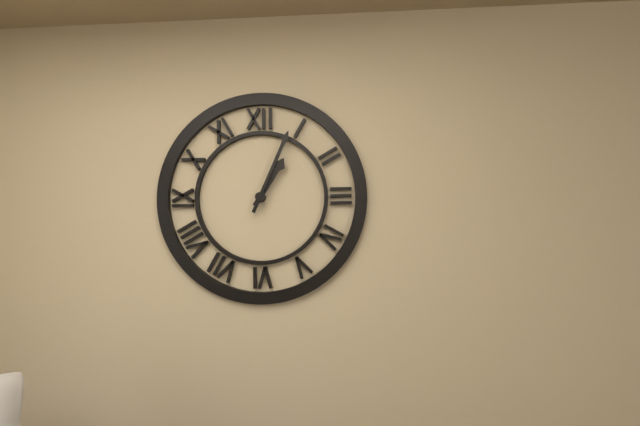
1:04
